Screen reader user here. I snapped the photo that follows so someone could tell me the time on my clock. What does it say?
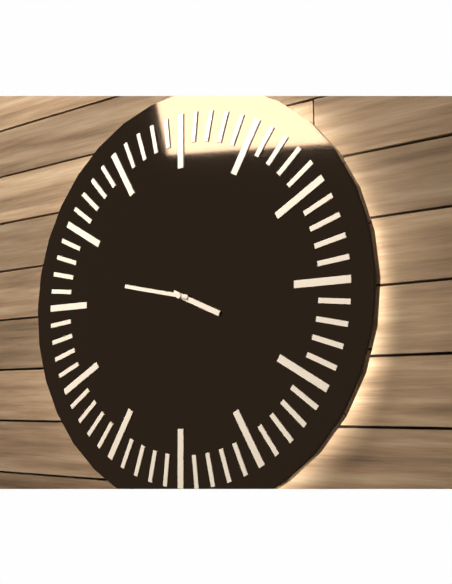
3:47
